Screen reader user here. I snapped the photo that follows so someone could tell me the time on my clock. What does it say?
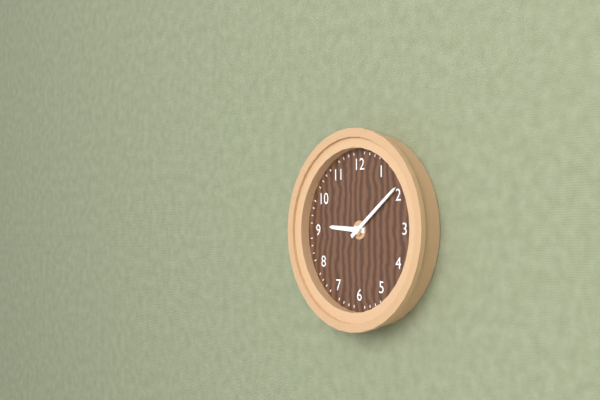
9:09
